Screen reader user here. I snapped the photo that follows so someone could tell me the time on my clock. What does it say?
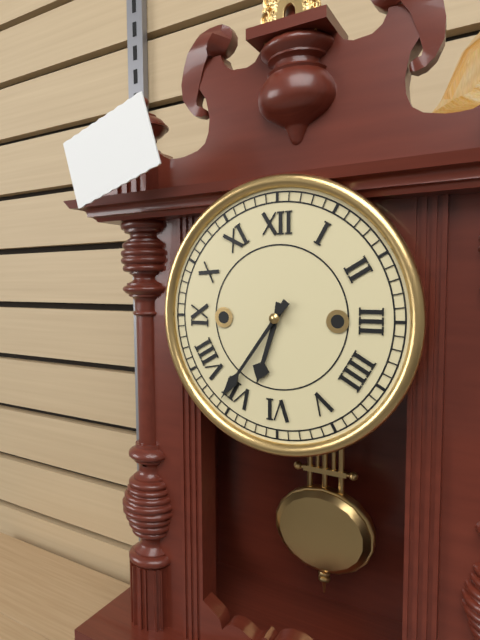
6:36
